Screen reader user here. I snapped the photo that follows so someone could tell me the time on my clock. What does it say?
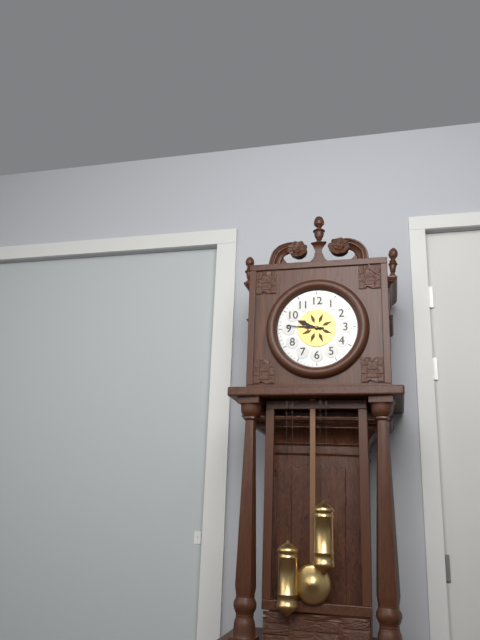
9:46
